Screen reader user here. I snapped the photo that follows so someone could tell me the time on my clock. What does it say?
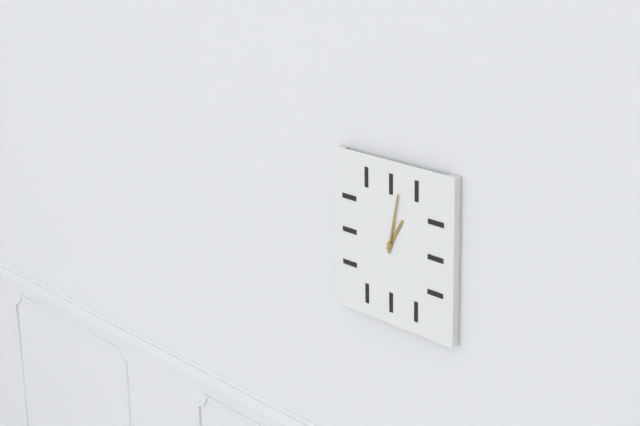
1:02
